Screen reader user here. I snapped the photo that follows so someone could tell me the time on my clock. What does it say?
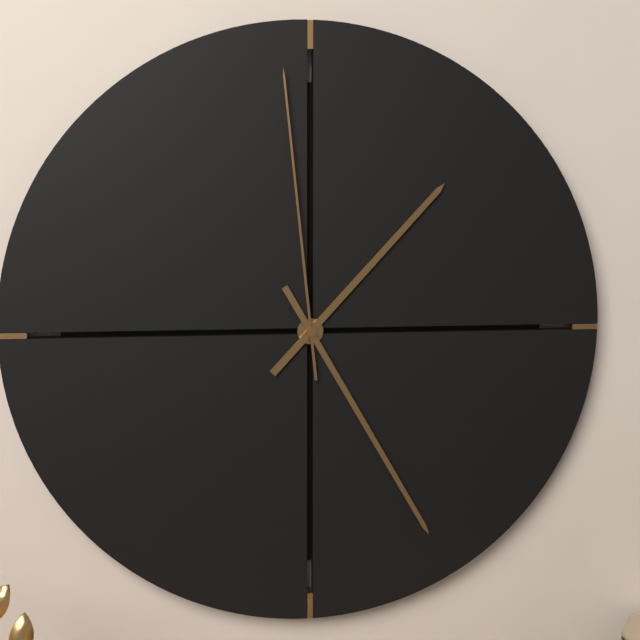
1:25:59
